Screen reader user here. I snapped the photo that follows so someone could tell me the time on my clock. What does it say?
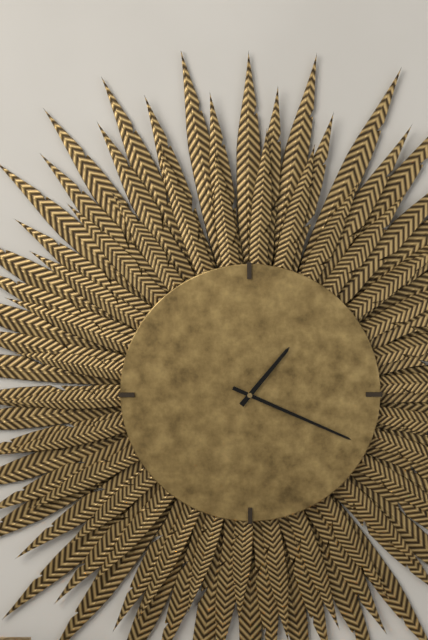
1:19
